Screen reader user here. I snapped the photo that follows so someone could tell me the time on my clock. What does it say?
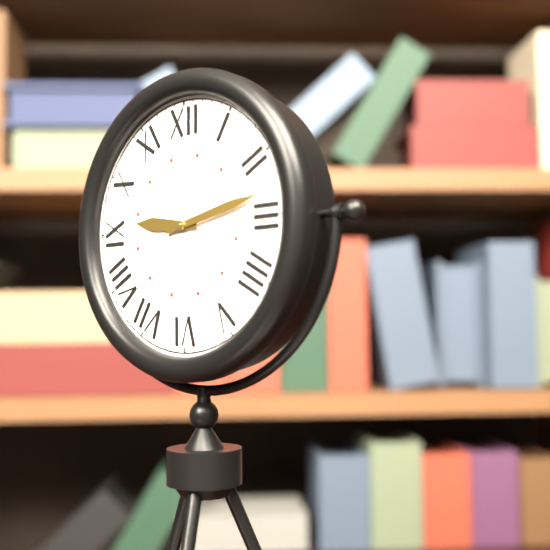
9:13
